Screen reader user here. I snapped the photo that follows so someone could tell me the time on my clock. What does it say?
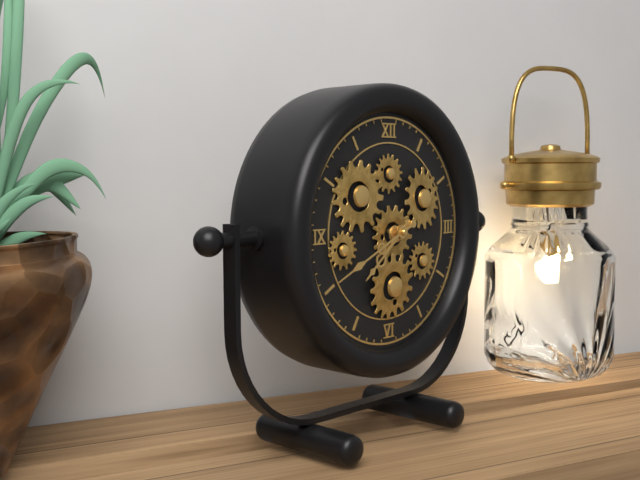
7:41
